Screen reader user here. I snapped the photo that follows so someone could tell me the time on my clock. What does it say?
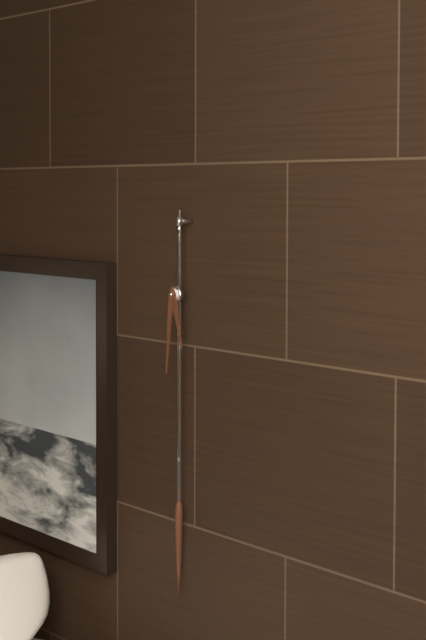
5:31
